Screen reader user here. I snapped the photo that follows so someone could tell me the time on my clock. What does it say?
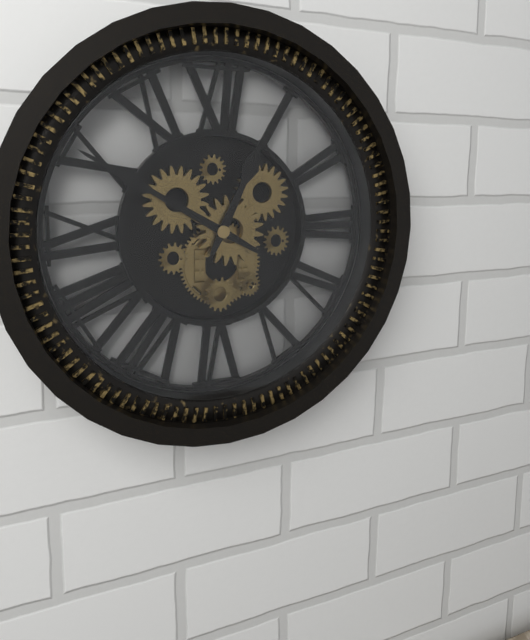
12:50
